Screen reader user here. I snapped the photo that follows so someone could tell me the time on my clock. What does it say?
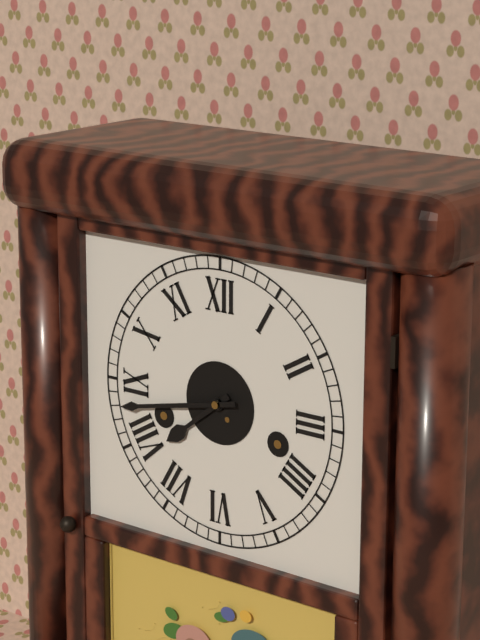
7:43
